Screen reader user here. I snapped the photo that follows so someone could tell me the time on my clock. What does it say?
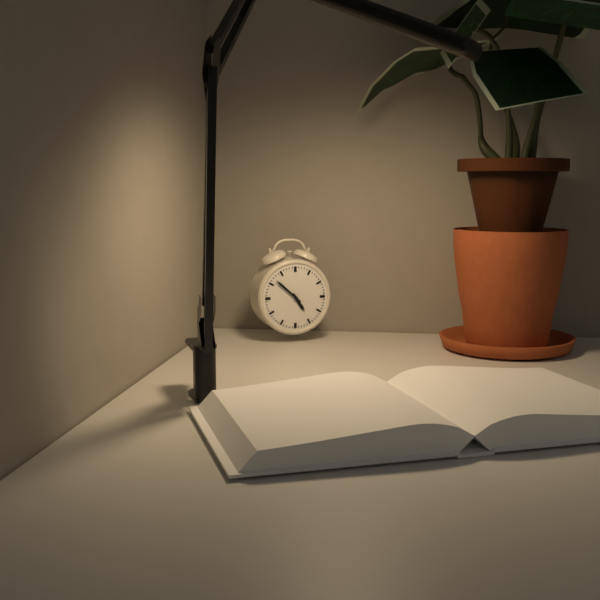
4:52
